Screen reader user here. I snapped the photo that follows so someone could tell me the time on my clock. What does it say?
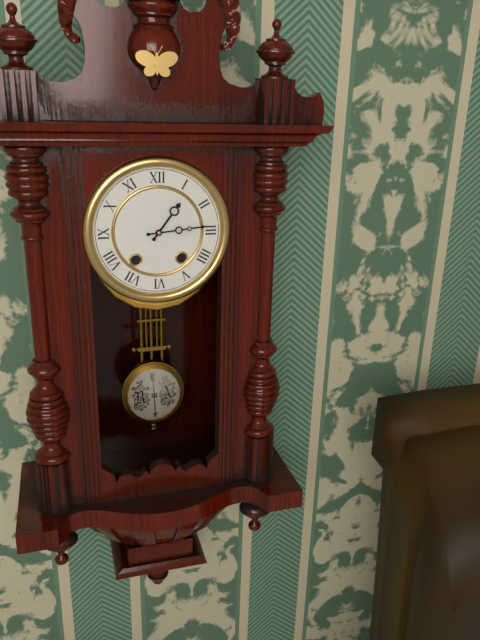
1:14
